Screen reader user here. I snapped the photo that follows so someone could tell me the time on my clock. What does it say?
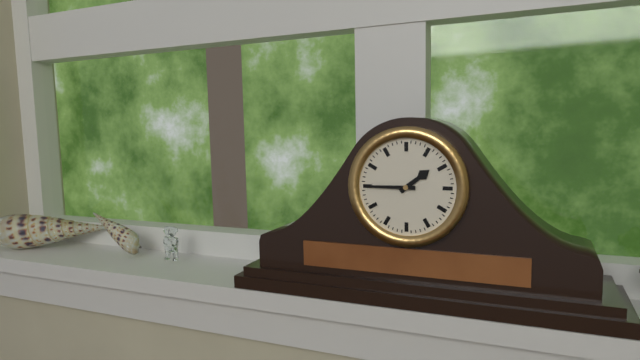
1:45
